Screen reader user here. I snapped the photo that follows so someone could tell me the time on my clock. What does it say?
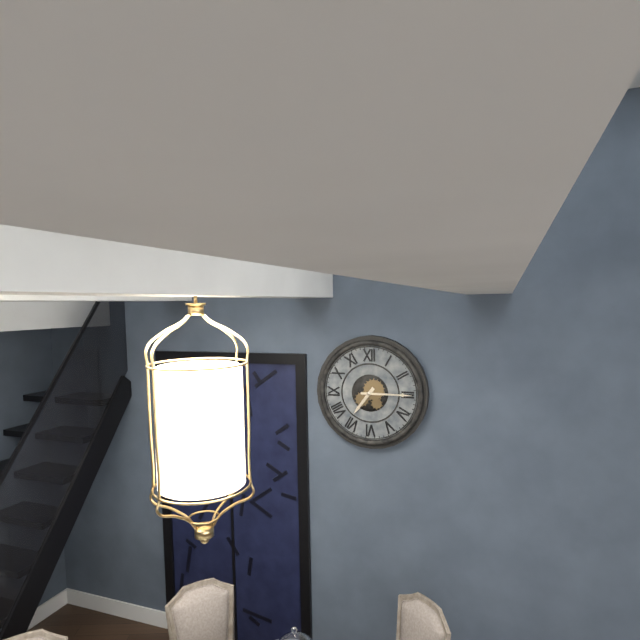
7:15
